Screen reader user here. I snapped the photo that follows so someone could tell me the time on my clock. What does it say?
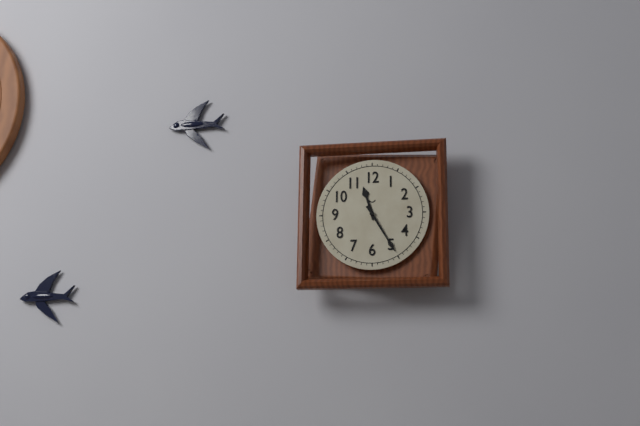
11:25
